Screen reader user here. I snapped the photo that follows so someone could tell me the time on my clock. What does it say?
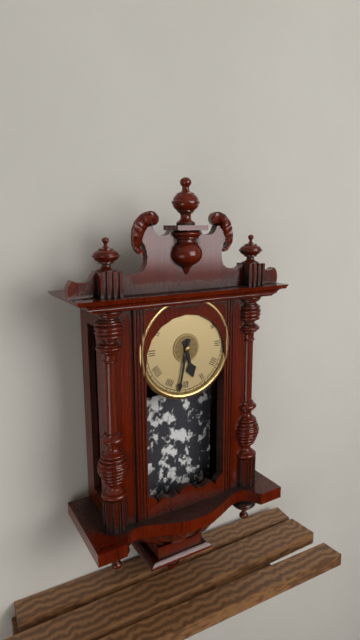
5:32
